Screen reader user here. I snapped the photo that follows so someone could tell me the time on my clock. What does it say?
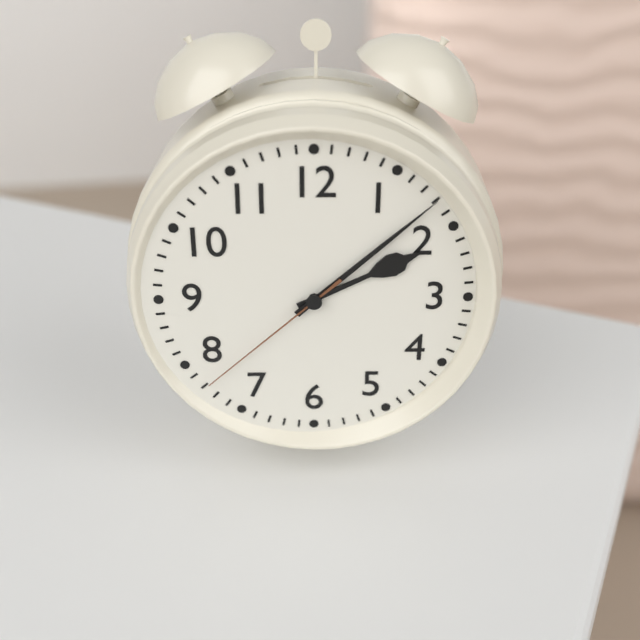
2:08:38
